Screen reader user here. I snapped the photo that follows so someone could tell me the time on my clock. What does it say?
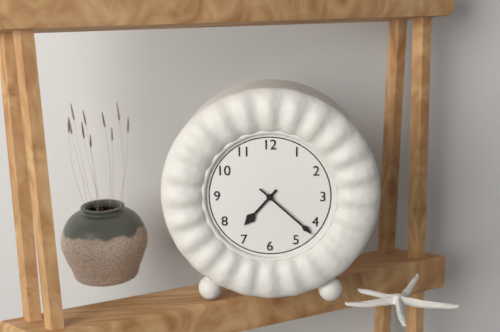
7:22
